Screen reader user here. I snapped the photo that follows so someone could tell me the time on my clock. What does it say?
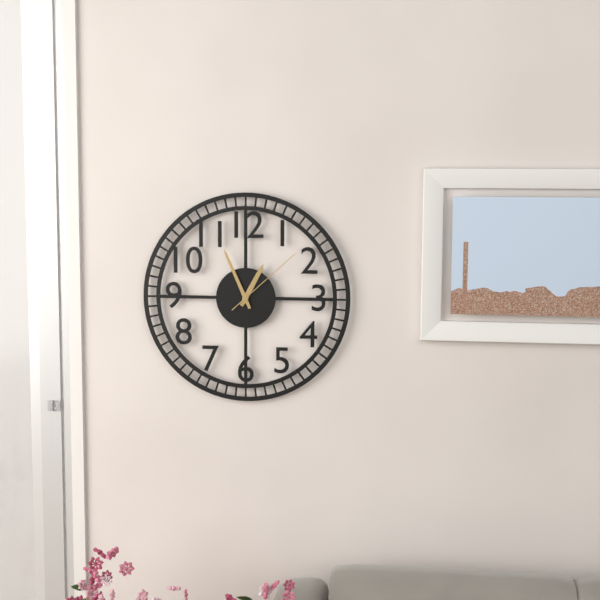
12:56:08
